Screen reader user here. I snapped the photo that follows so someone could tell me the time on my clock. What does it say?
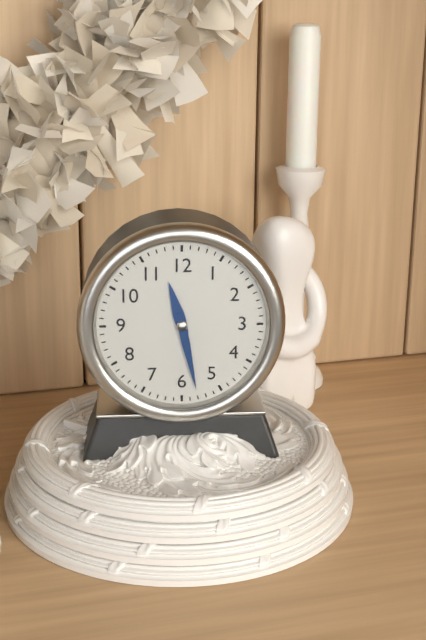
11:28
